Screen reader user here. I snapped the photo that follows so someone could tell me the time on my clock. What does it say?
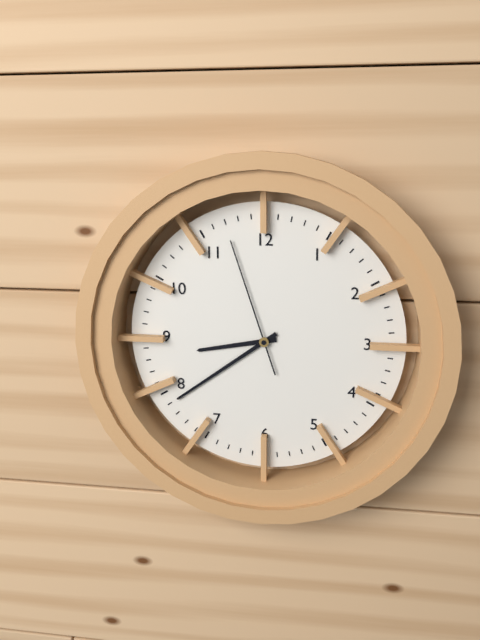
8:39:57
